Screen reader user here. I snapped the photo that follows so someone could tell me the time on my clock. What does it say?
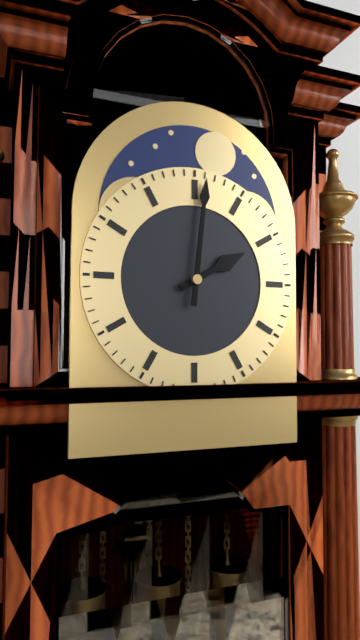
2:01
